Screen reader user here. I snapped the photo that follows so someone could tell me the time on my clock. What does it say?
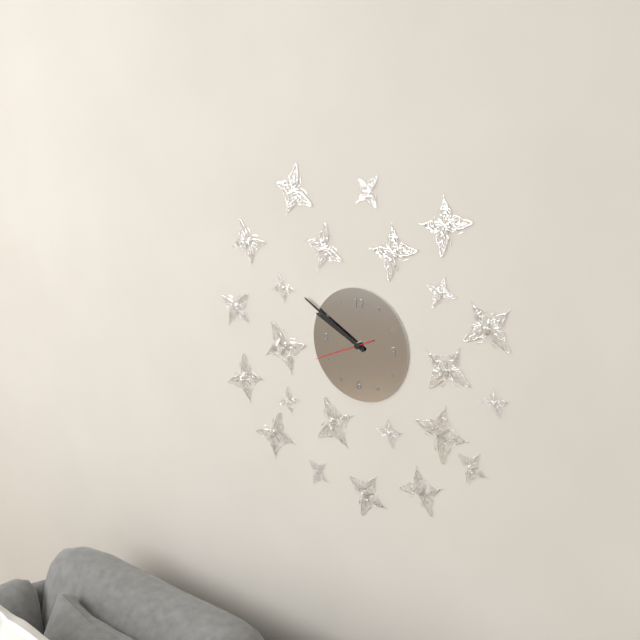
9:50:41
